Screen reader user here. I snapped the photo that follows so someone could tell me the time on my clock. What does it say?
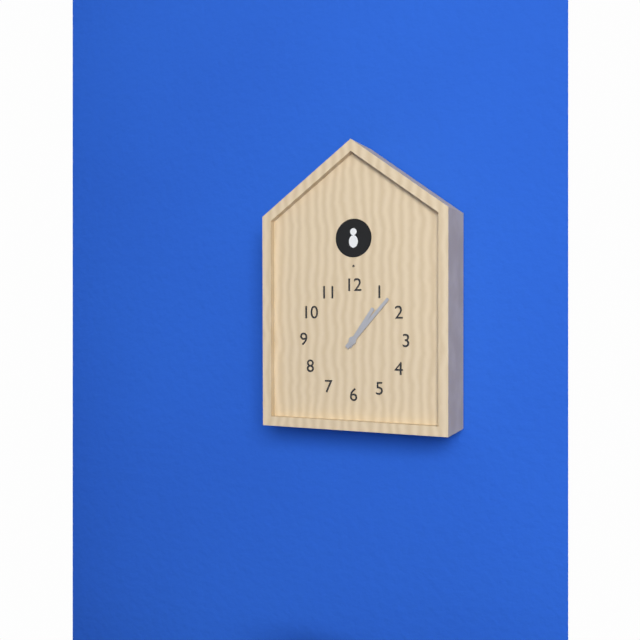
1:07
